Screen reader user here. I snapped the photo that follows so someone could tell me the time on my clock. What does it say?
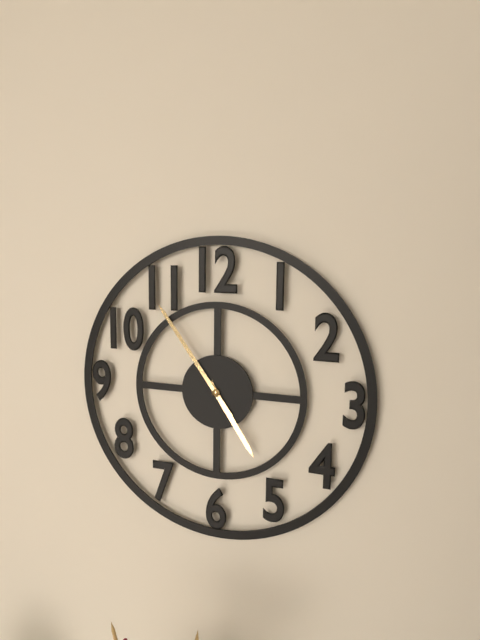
4:54
